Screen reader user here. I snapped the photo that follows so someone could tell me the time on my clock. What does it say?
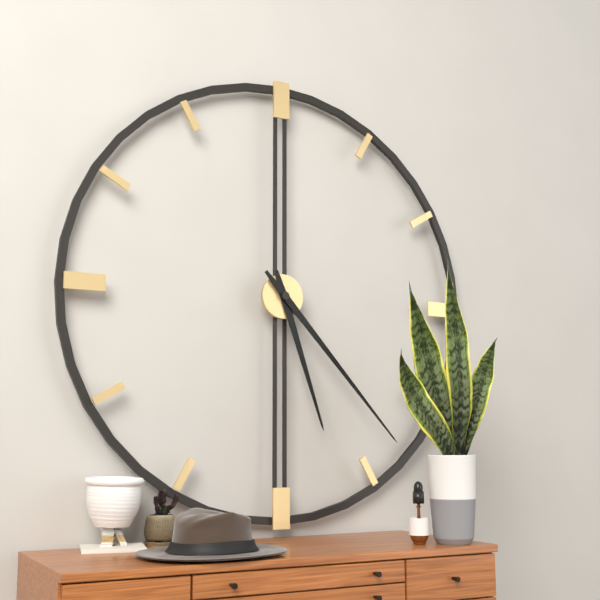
5:23
